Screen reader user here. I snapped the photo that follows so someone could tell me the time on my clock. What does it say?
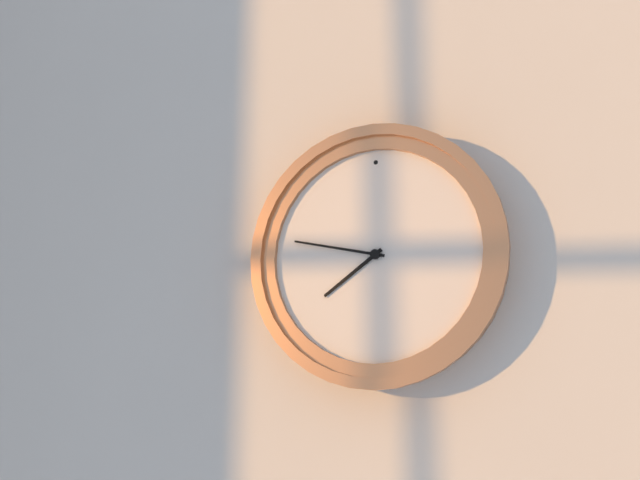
7:47
